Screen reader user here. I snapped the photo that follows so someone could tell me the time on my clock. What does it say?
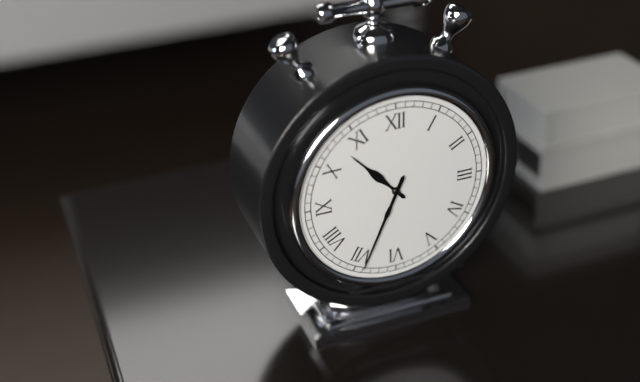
10:34
